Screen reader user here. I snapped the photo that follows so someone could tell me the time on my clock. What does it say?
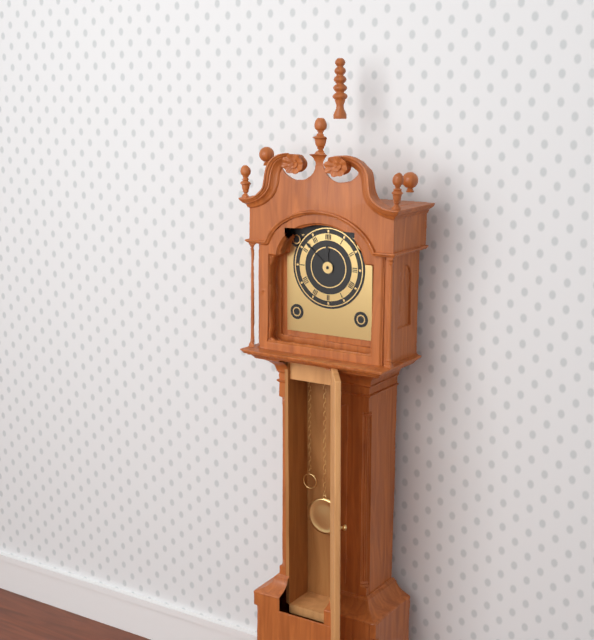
11:52
